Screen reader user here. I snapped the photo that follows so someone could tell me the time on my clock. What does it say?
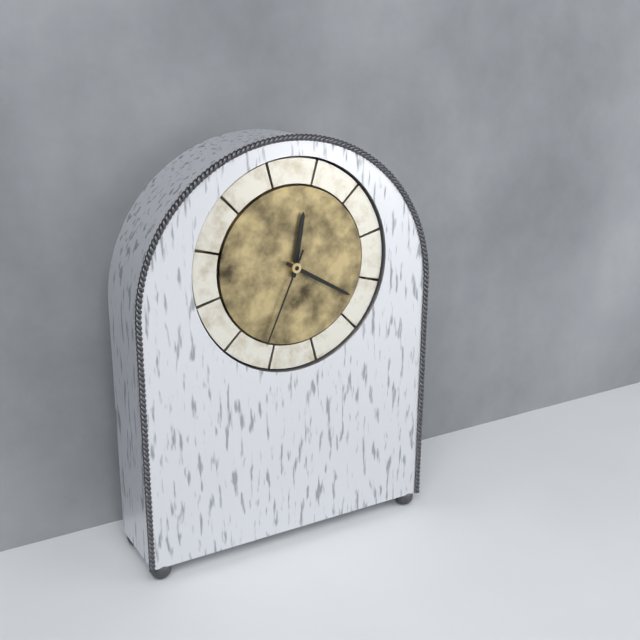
12:20:34
